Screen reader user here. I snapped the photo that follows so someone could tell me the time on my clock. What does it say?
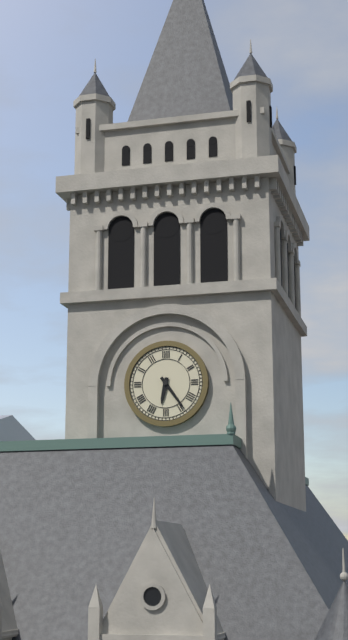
6:24
